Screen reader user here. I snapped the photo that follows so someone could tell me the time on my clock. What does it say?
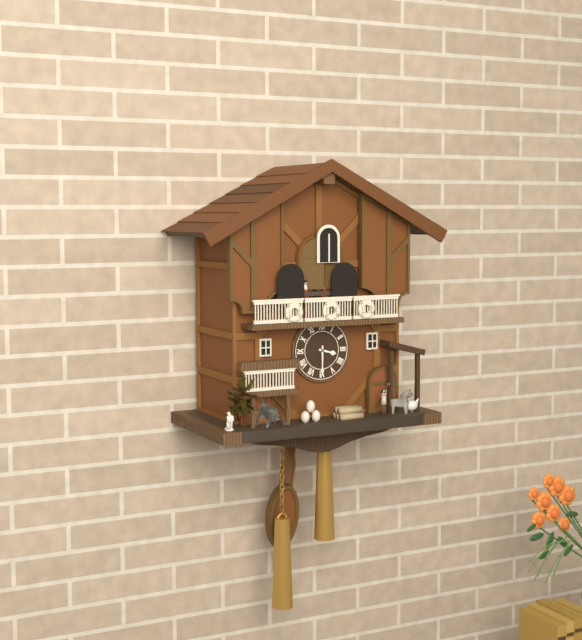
3:30
